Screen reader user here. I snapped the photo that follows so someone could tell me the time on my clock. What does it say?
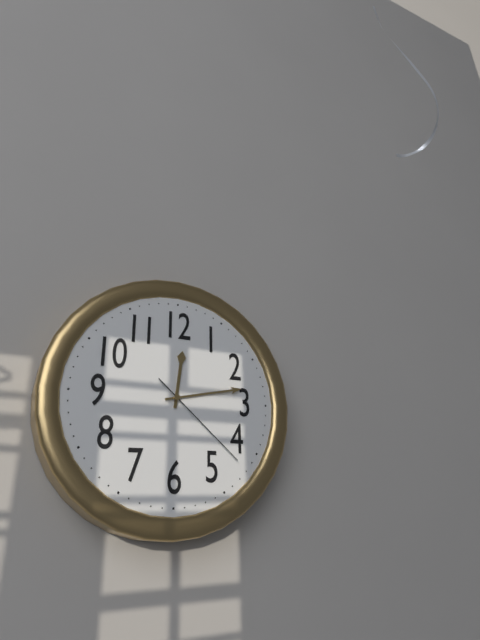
12:13:22
